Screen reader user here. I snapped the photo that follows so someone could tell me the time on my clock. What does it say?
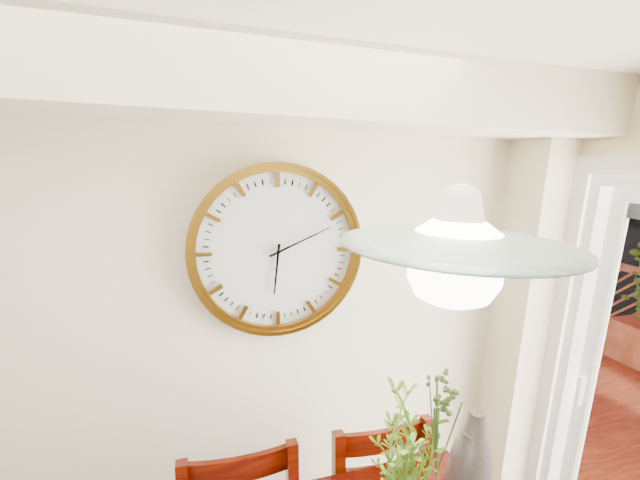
6:11
